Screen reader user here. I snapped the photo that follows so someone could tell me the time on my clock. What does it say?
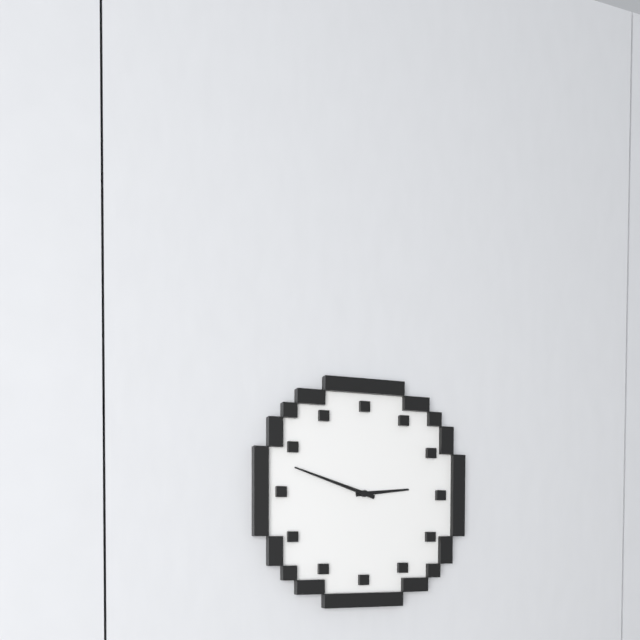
2:48
